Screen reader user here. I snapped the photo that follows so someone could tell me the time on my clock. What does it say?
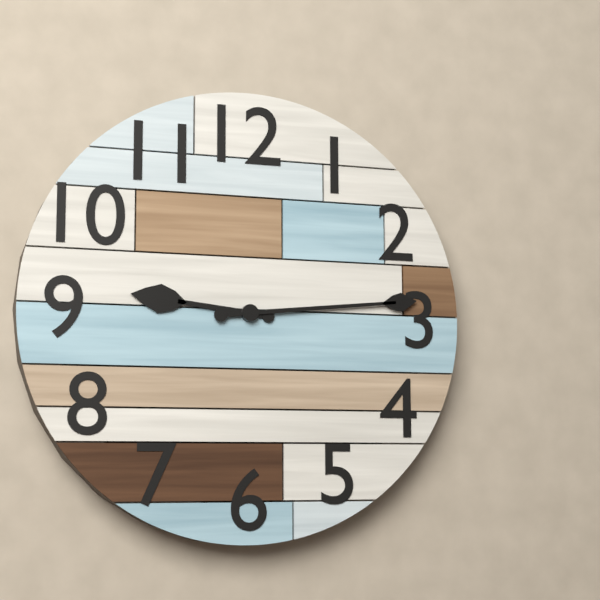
9:14
